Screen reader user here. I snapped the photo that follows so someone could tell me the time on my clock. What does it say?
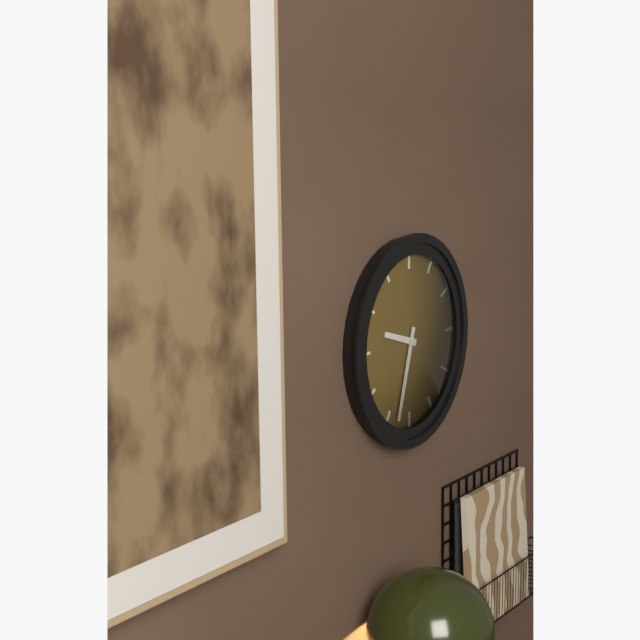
9:33
